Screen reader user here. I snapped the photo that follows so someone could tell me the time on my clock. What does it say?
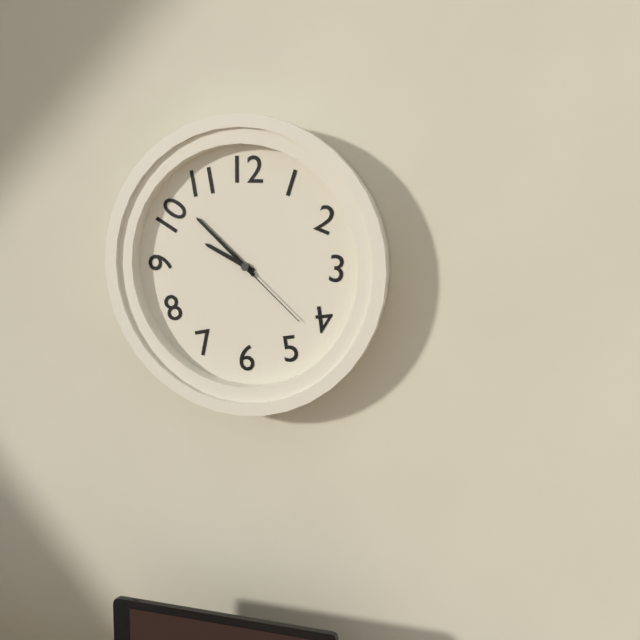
9:52:22
